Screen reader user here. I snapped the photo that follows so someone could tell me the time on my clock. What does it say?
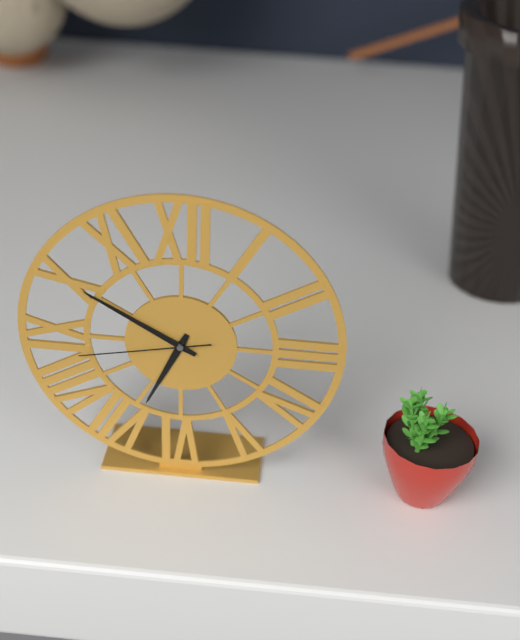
6:50:43
